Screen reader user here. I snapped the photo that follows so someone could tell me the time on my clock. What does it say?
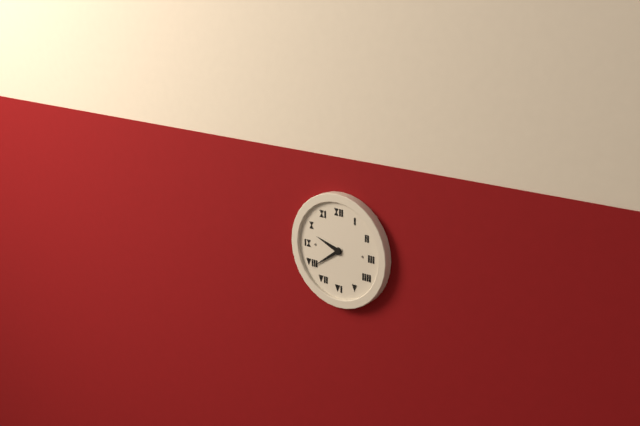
9:39
